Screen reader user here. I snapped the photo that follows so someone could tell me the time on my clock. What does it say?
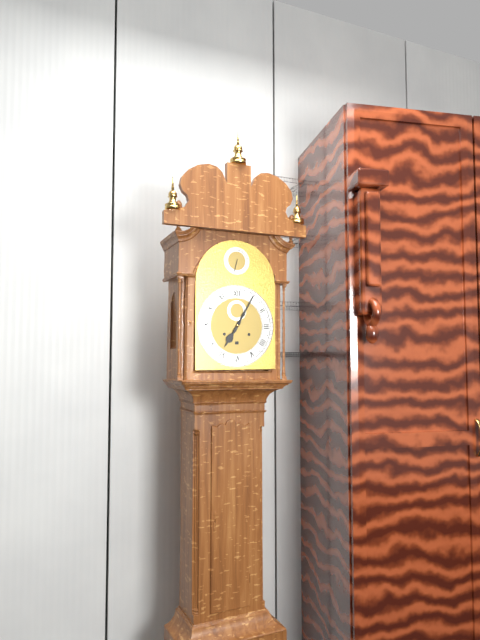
7:05
